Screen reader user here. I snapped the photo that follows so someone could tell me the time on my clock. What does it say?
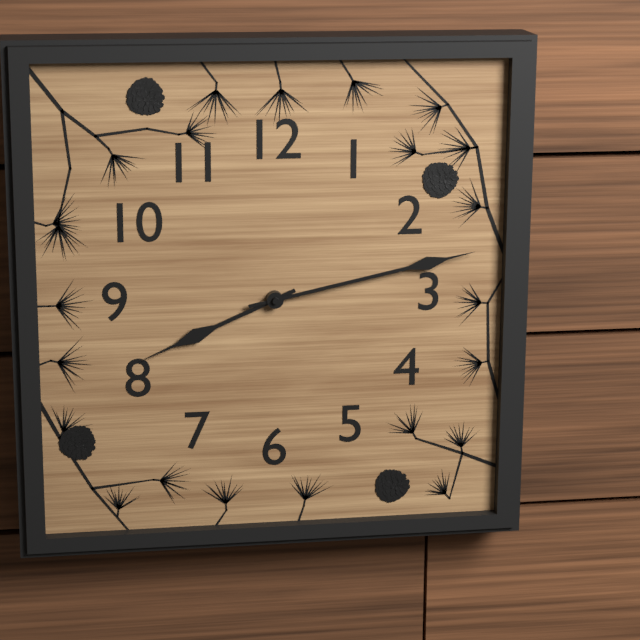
8:13
